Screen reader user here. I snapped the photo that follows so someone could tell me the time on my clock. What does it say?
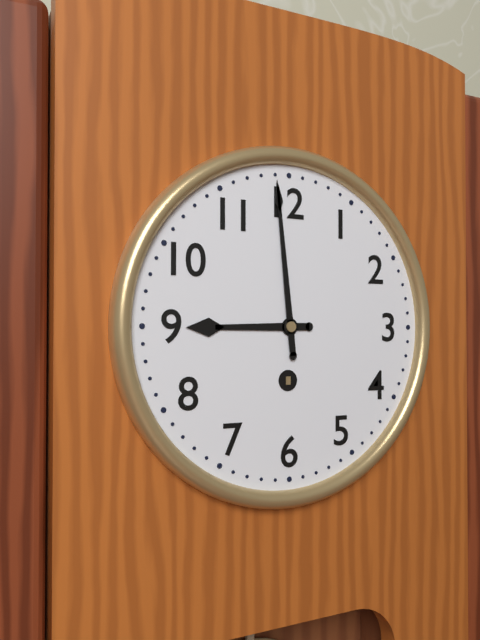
8:59
